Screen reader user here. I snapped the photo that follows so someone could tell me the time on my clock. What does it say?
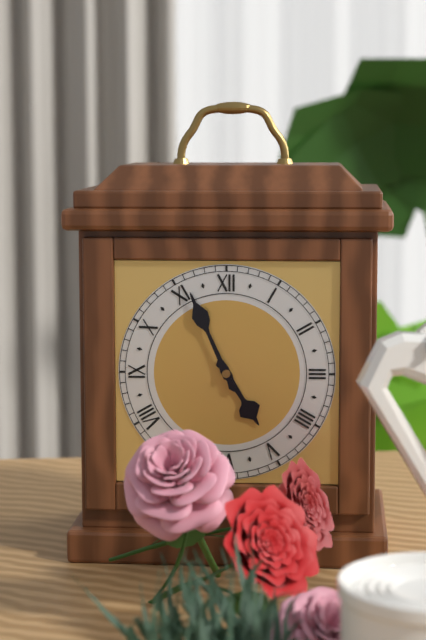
4:56
